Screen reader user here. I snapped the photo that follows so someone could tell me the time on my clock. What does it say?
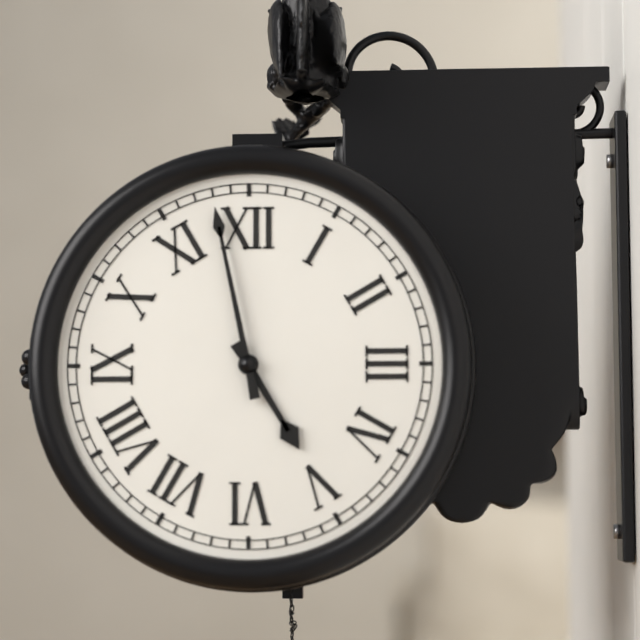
4:58
